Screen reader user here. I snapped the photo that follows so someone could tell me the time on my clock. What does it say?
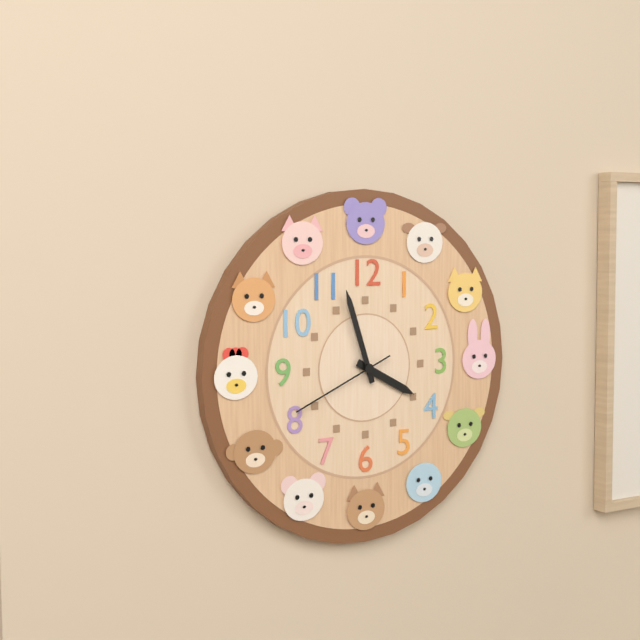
3:57:41
